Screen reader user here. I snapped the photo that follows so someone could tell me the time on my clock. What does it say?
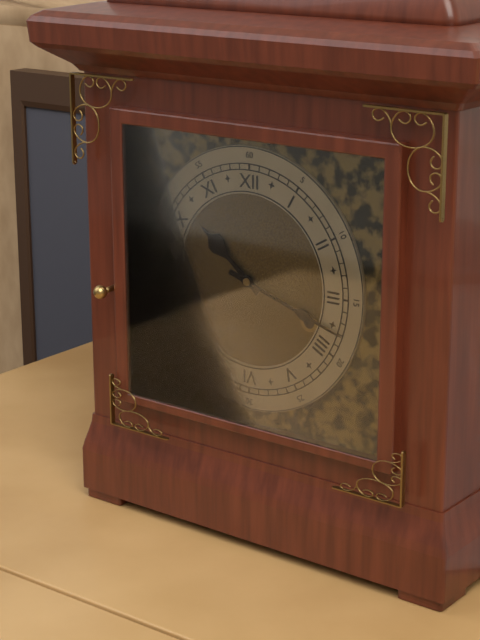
10:18
